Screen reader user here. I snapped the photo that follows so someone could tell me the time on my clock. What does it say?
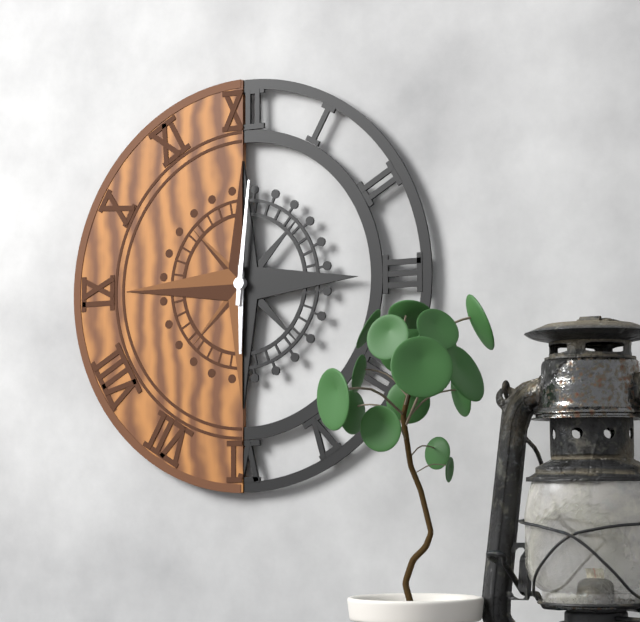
6:01
